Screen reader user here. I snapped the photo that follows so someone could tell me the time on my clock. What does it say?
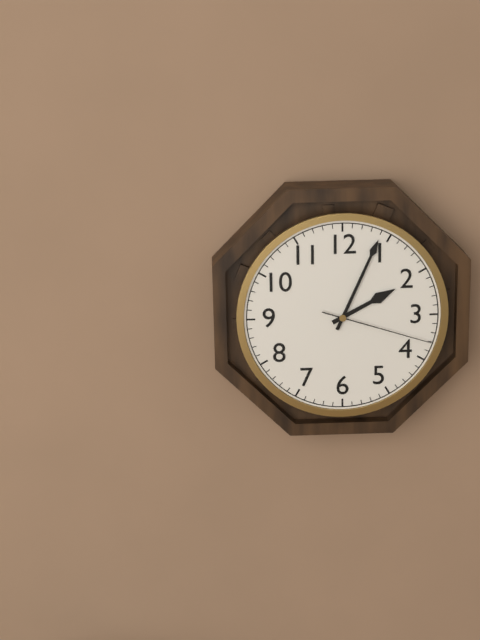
2:04:18
